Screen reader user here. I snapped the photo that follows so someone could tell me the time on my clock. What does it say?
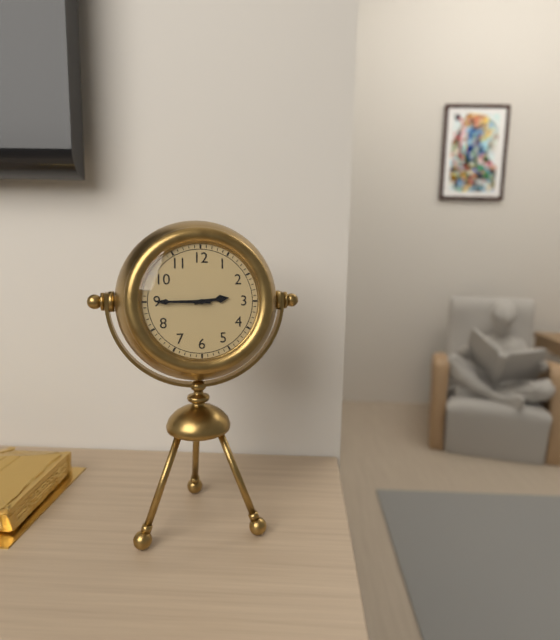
2:45
